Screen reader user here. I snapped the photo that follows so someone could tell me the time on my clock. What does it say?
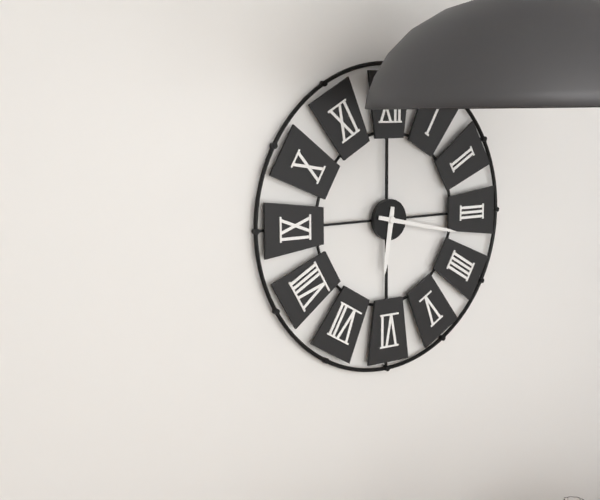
6:17
